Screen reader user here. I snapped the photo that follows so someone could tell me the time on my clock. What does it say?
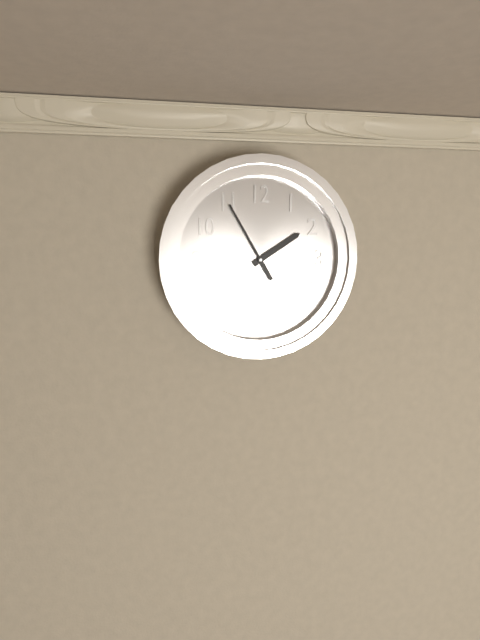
1:55
